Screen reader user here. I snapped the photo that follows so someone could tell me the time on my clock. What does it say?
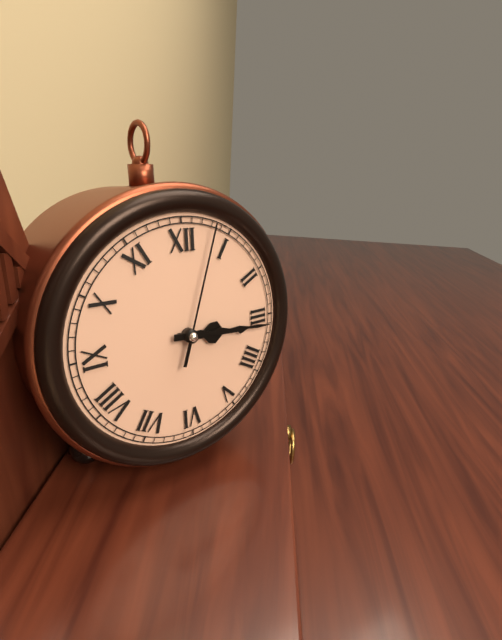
3:16:03
